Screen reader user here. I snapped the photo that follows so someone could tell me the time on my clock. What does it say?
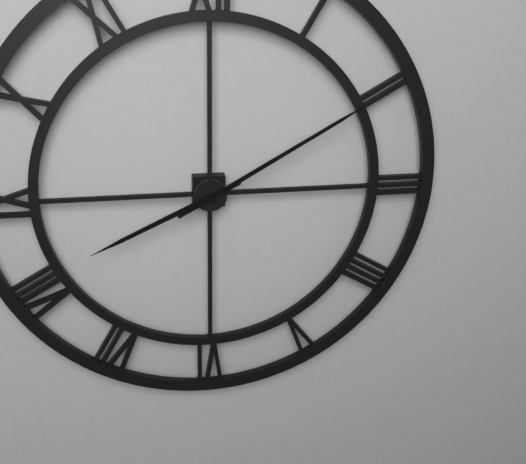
8:10
